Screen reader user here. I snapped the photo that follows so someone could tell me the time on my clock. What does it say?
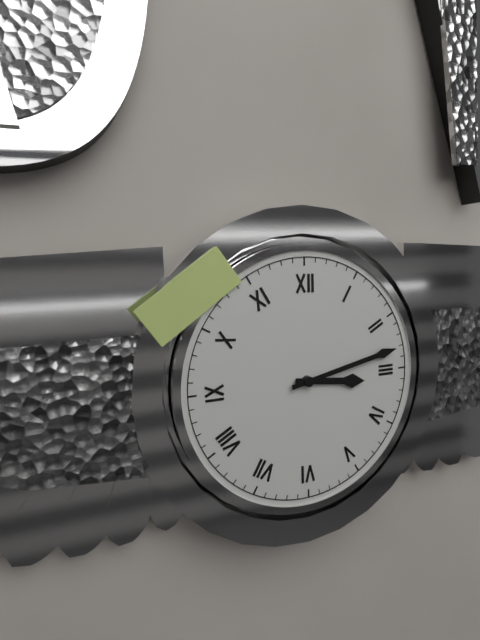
3:13
